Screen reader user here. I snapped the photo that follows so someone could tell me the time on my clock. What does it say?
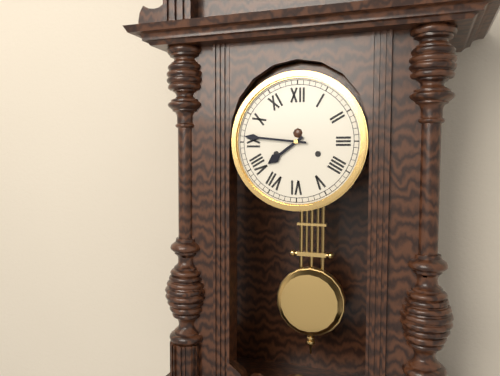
7:46
